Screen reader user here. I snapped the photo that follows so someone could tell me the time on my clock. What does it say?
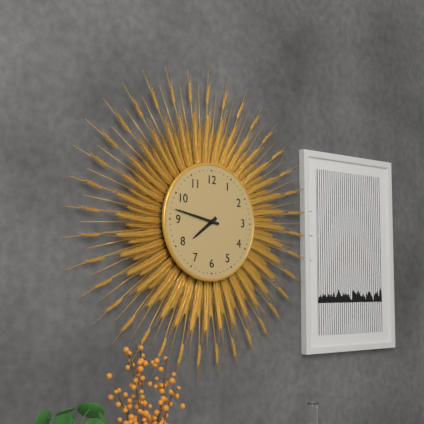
7:47
